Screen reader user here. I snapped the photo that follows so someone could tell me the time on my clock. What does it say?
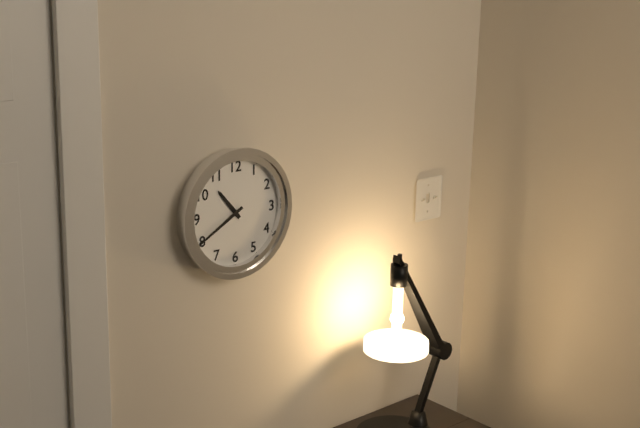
10:40
